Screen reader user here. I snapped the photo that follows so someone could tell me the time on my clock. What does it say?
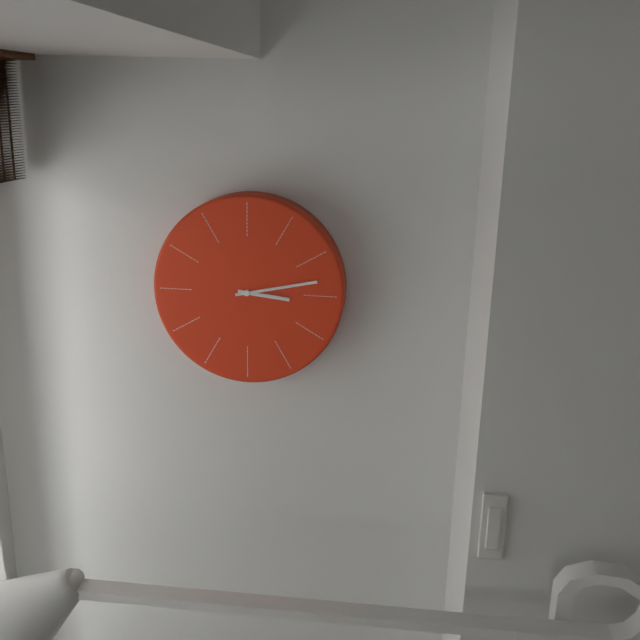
3:13
